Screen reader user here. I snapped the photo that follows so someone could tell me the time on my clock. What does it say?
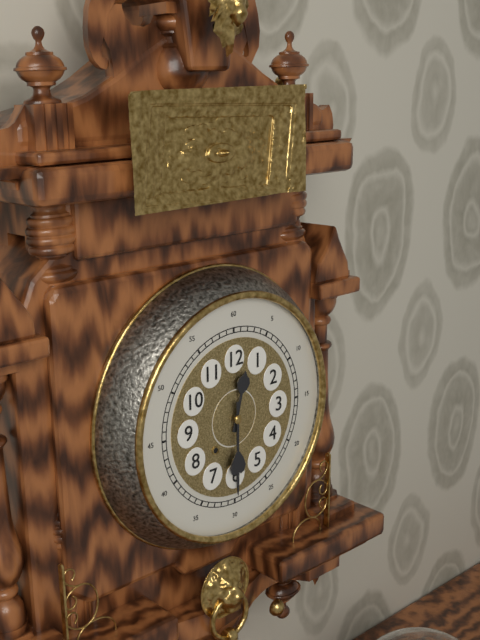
12:30
